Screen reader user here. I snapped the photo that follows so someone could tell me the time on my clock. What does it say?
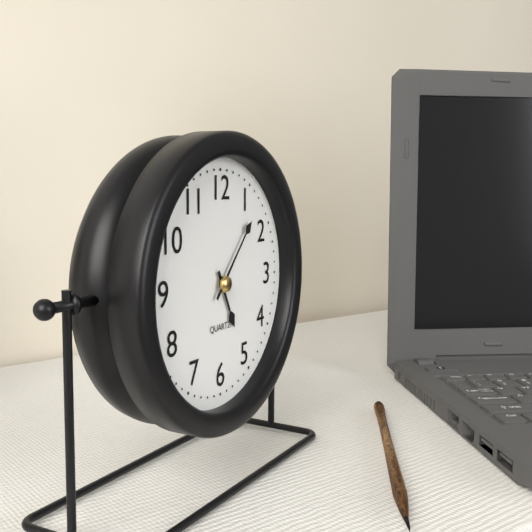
5:07
